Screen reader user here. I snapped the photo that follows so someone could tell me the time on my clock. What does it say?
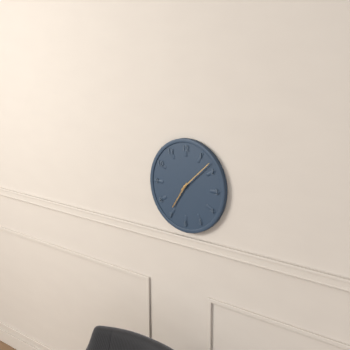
7:08
